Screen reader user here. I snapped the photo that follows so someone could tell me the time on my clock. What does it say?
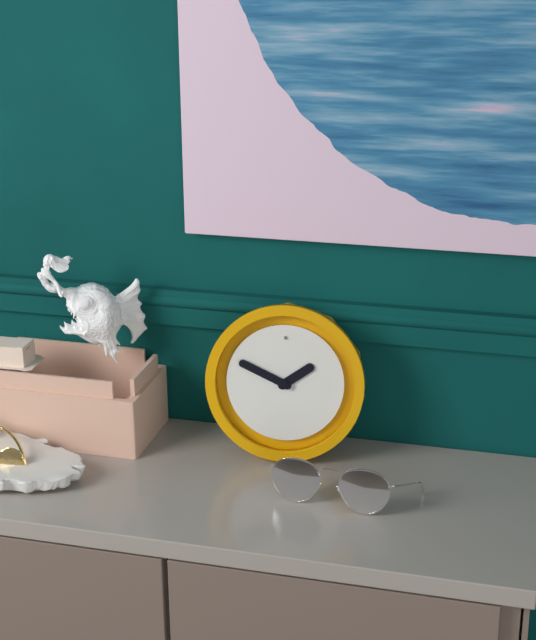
1:49
